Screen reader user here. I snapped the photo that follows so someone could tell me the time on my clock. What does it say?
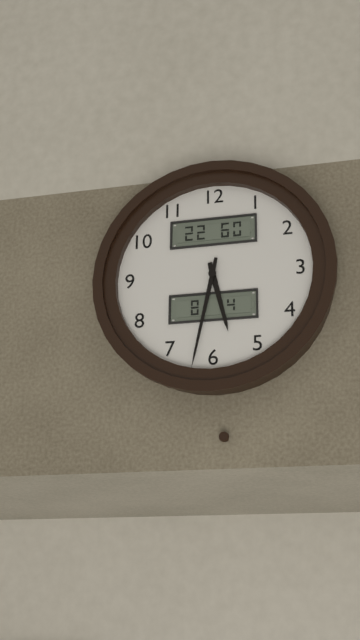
5:32
